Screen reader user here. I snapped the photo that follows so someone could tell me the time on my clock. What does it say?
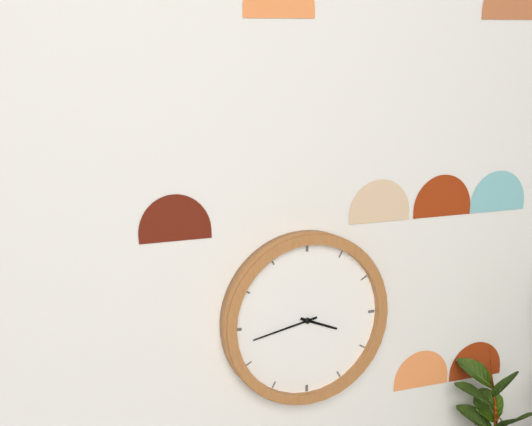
3:43
